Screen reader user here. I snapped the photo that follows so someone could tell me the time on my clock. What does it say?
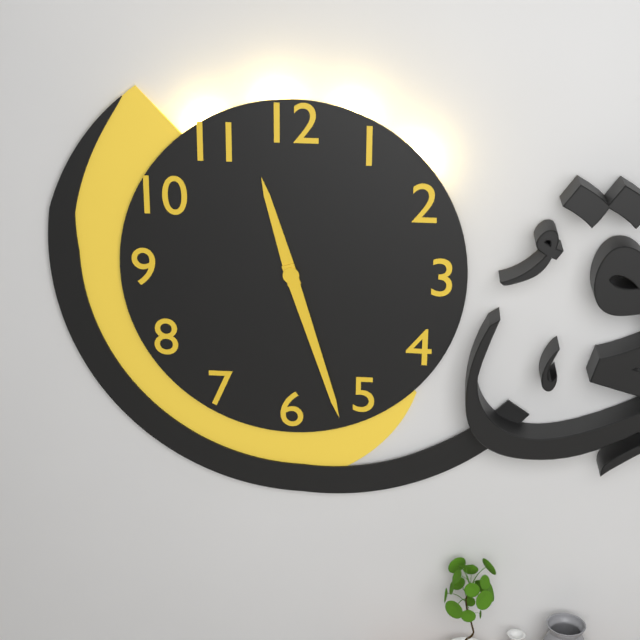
11:27
